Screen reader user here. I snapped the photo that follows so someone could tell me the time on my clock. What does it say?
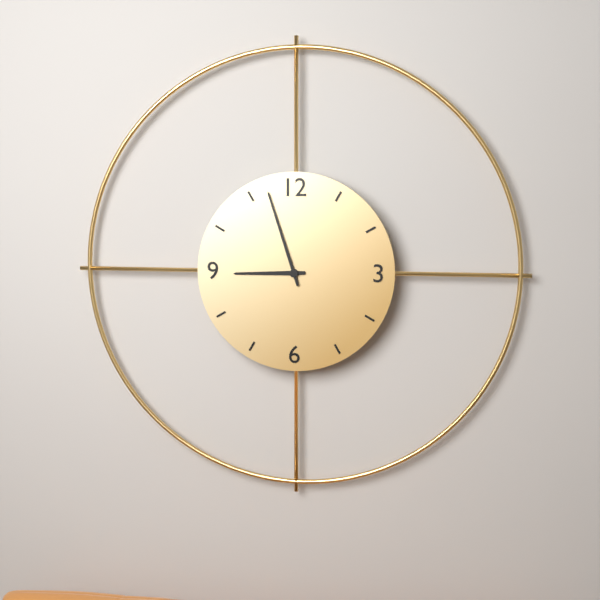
8:57
